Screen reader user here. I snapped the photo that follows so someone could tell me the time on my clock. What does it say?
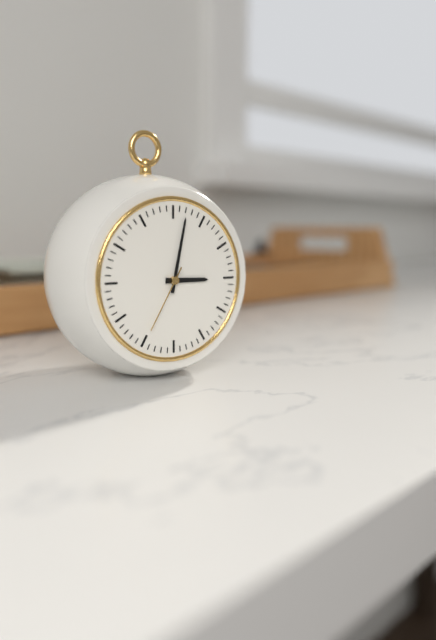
3:02:35
